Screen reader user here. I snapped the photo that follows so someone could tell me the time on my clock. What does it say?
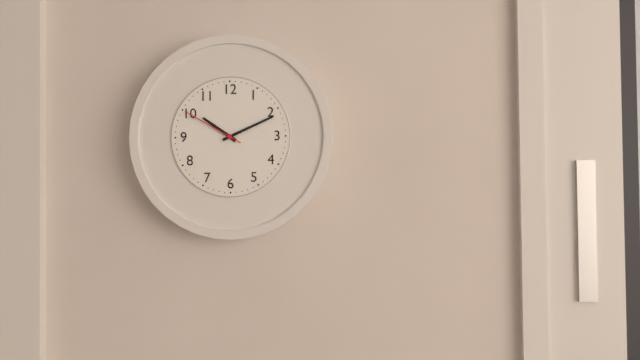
10:11:50
